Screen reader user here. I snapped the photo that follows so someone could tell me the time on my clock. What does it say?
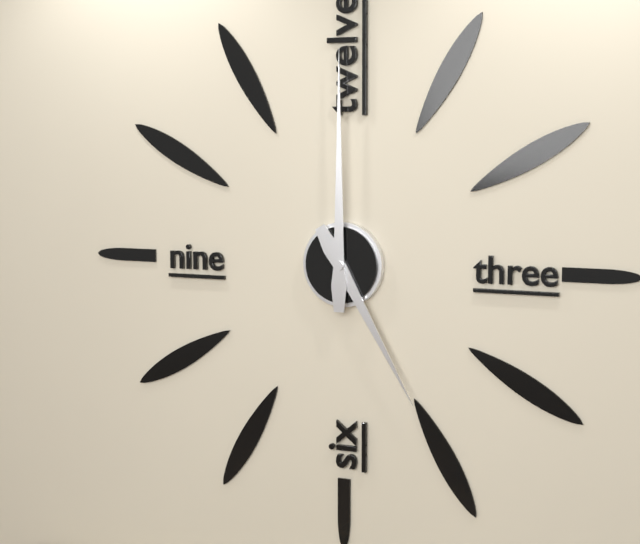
5:00
